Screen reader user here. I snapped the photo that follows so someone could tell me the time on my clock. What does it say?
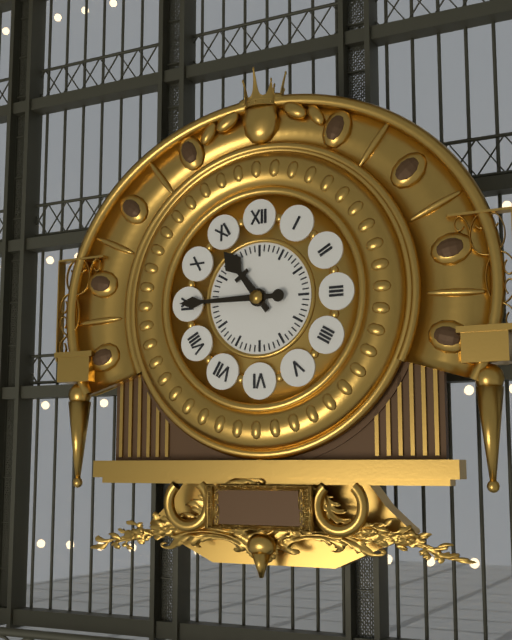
10:45
